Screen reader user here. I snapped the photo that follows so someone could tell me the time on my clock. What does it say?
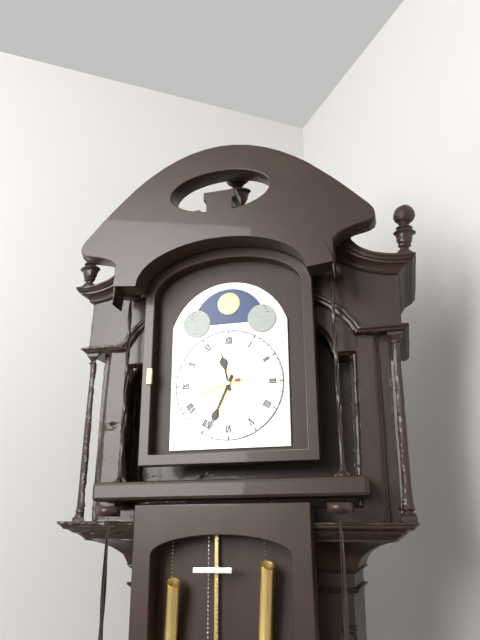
11:34
